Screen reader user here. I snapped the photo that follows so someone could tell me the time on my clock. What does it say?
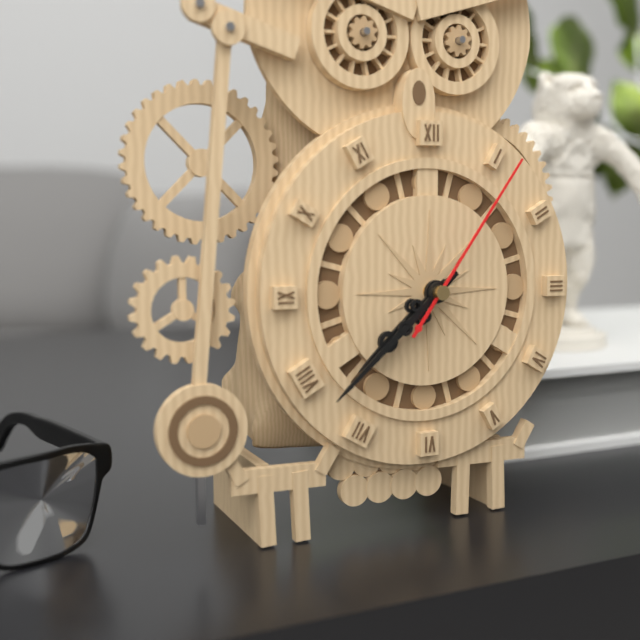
7:38:06
